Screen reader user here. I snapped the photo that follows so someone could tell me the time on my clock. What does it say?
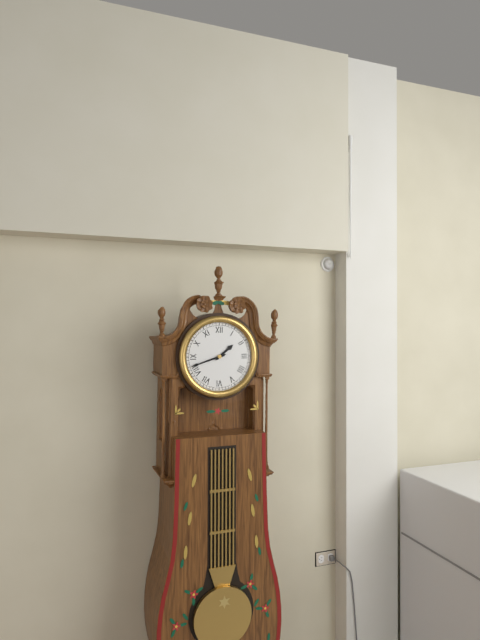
1:42
